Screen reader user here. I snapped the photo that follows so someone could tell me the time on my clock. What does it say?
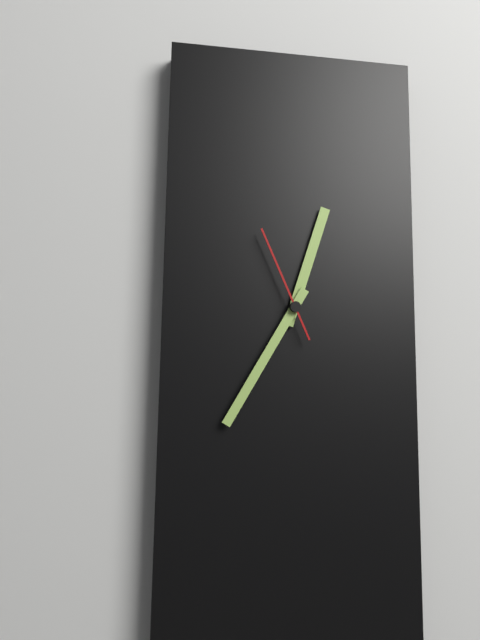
12:35:56
